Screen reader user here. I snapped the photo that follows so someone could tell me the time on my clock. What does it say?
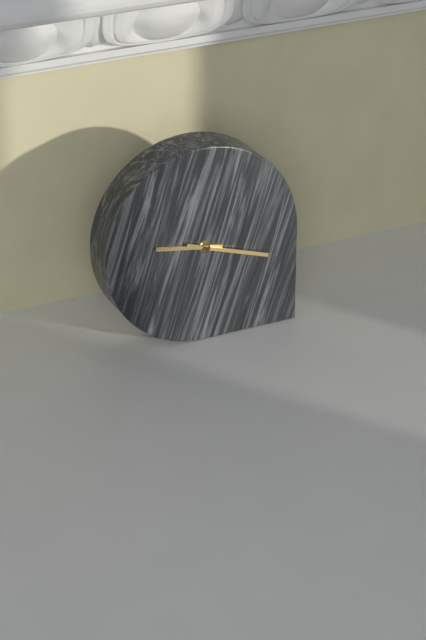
9:18
